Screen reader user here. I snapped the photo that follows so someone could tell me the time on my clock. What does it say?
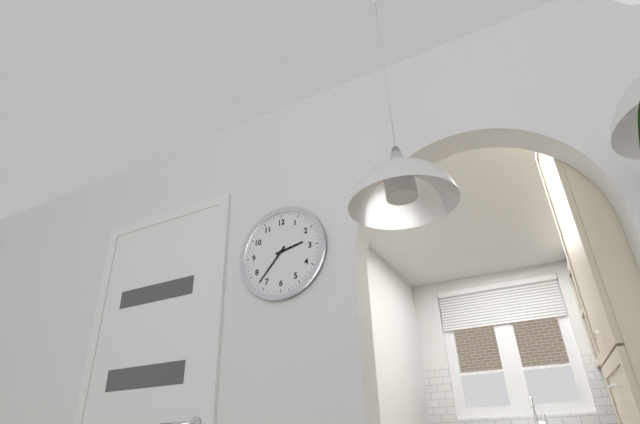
2:37
